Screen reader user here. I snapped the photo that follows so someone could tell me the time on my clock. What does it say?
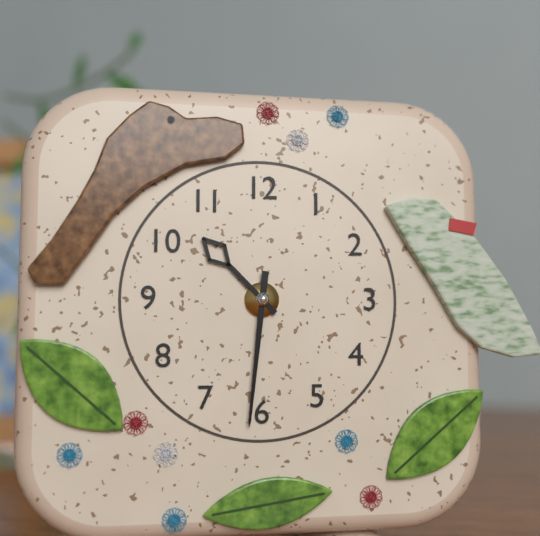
10:31
